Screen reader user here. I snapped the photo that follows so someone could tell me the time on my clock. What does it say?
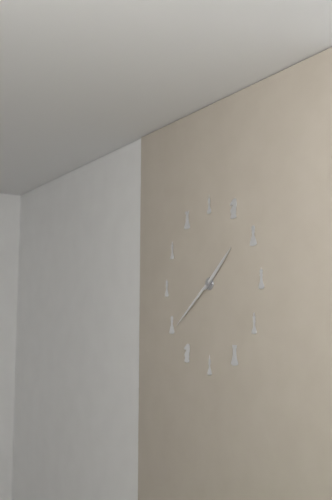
1:39
